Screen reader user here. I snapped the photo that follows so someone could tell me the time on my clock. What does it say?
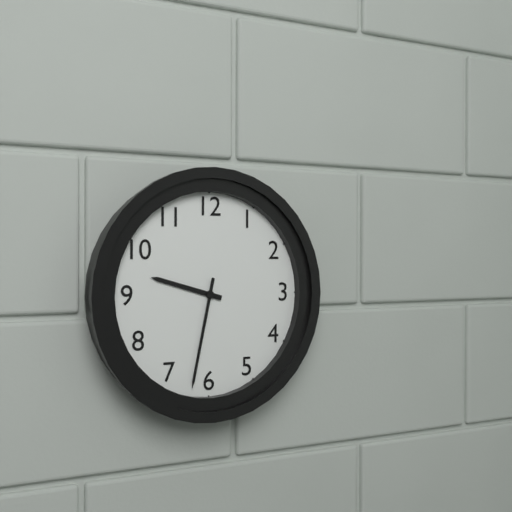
9:32
